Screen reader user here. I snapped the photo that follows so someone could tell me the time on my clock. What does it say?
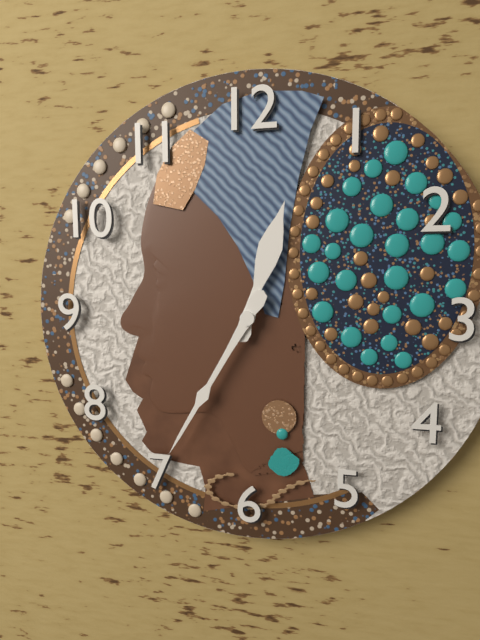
12:35
